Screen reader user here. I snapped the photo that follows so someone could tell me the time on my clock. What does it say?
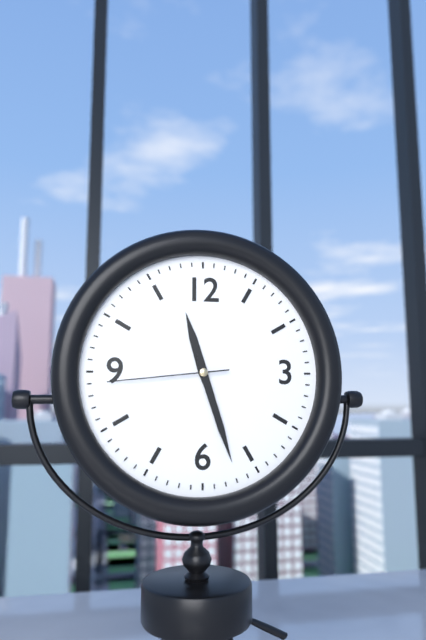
11:27:44
